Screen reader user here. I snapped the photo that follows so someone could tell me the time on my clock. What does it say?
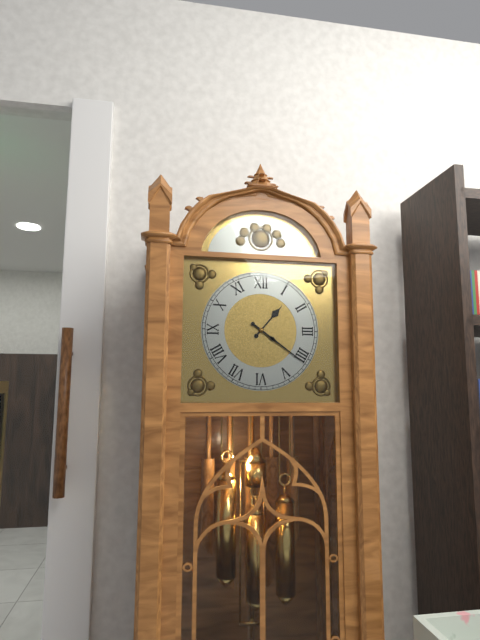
1:21
